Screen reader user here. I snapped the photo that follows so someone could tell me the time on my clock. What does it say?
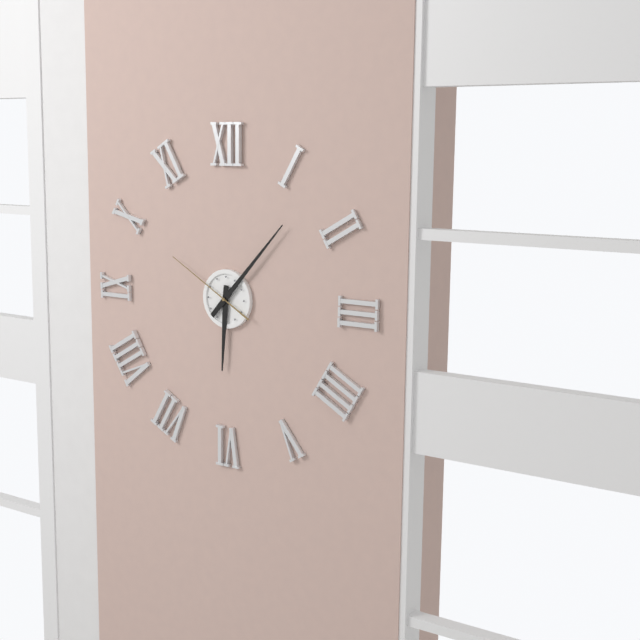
6:07:50
